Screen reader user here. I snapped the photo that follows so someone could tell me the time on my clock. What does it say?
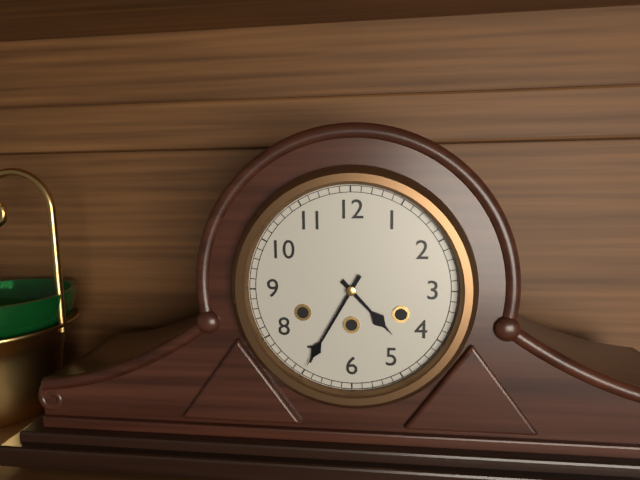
4:35
